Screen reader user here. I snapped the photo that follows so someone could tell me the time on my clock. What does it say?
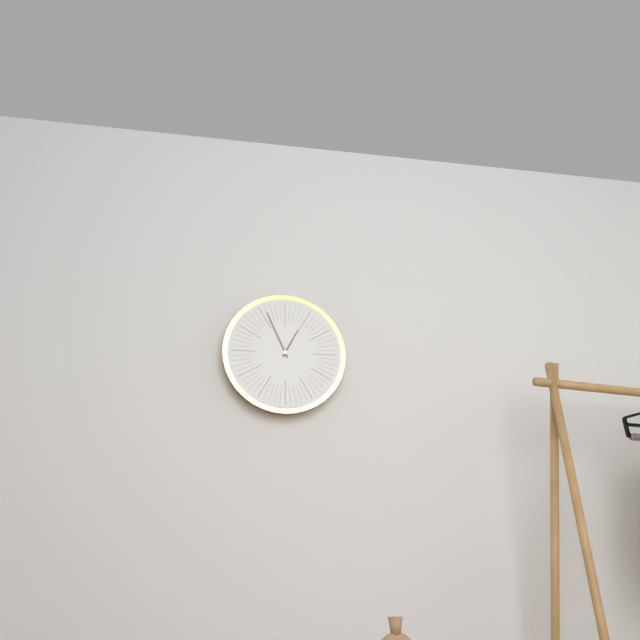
12:56
